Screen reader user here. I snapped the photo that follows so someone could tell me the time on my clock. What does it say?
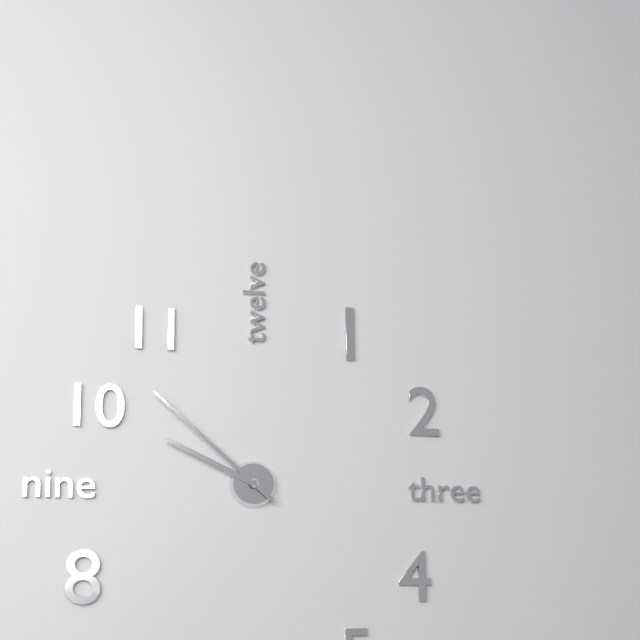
9:52
